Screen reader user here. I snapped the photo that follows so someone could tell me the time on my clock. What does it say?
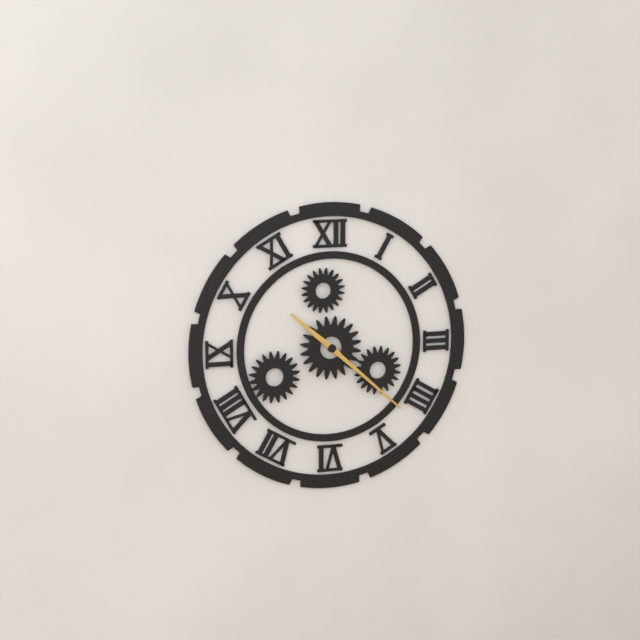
10:22
